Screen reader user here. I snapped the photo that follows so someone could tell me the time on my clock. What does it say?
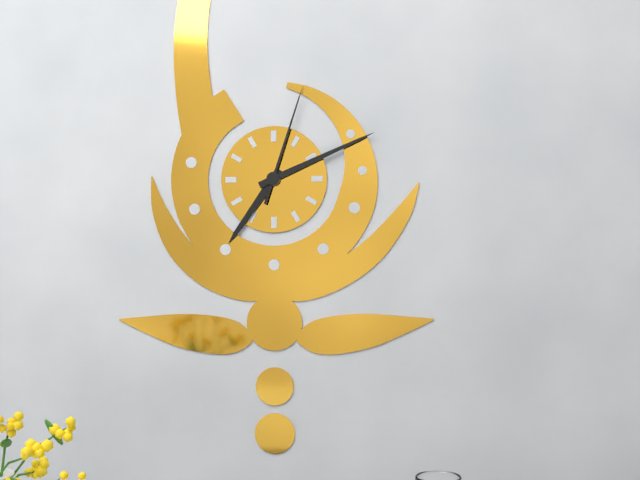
7:11:03
